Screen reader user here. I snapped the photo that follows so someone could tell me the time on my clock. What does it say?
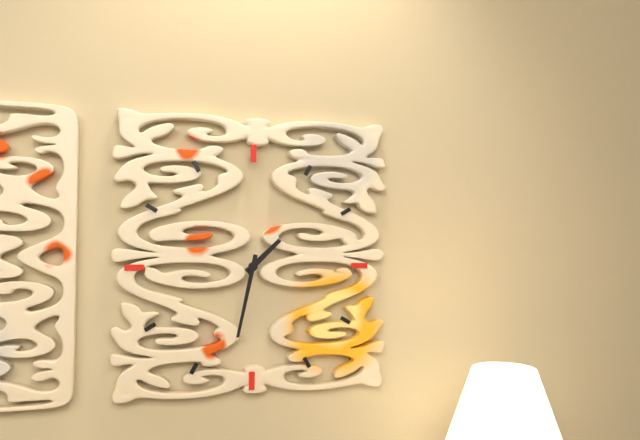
1:32
